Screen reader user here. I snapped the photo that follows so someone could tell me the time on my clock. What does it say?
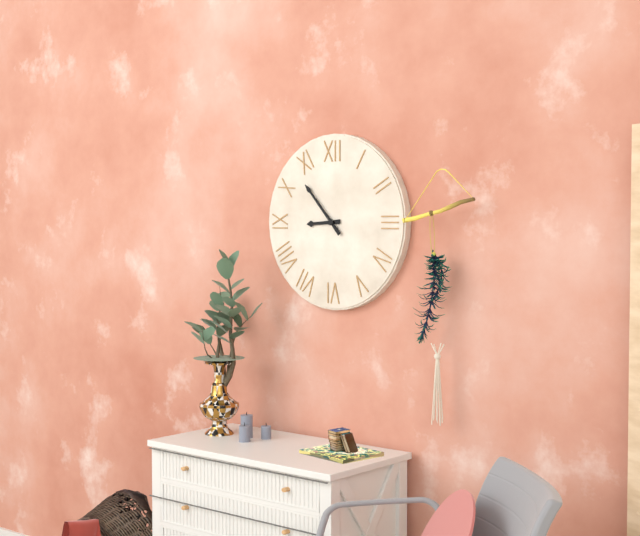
8:53
